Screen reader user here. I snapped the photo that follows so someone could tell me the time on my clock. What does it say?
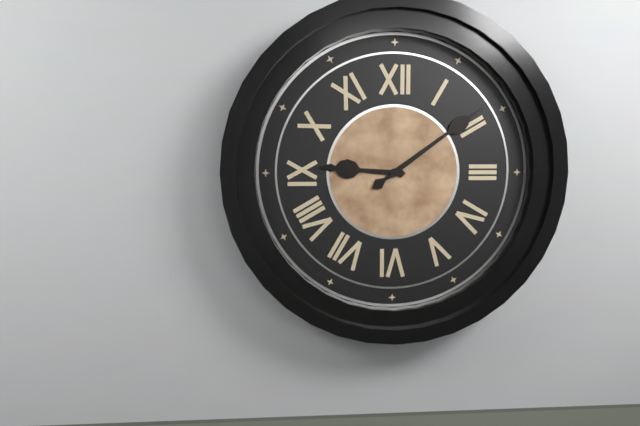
9:09
